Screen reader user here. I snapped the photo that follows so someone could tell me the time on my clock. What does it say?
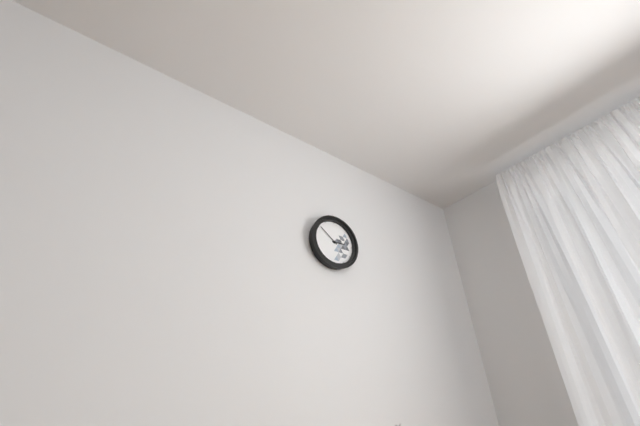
2:51
